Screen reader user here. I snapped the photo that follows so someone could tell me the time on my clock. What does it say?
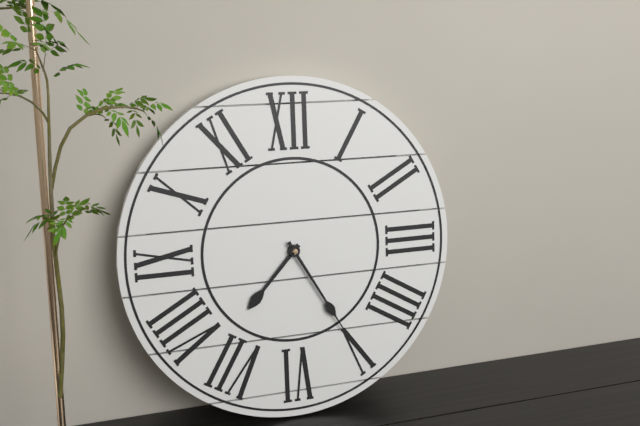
7:25
